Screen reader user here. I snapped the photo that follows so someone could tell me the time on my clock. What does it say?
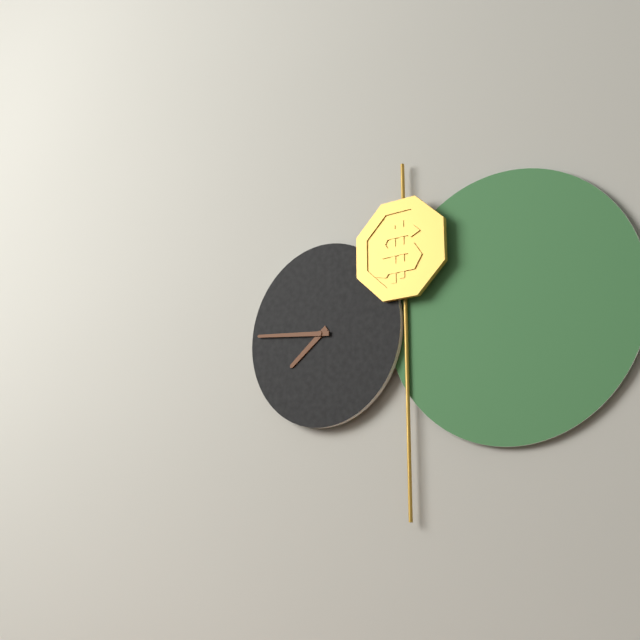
7:46
